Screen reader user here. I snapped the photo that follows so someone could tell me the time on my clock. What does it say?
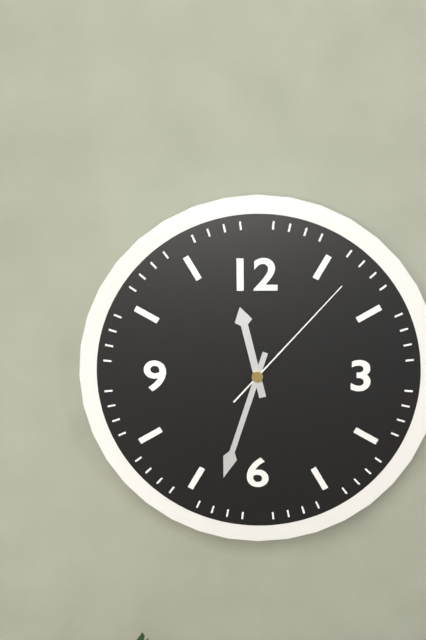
11:33:07
